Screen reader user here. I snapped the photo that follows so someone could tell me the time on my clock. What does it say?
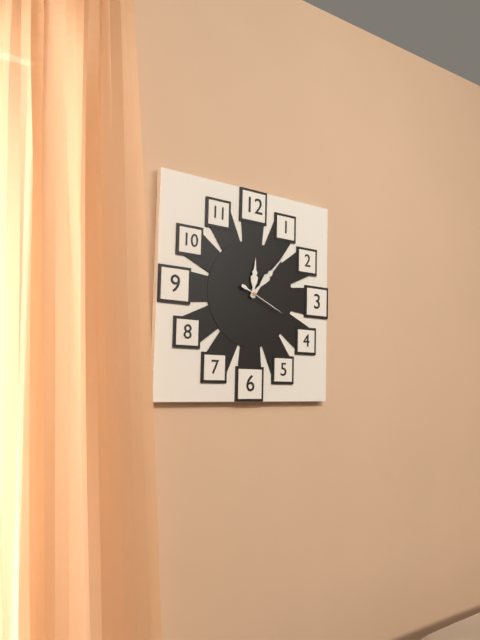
12:07
